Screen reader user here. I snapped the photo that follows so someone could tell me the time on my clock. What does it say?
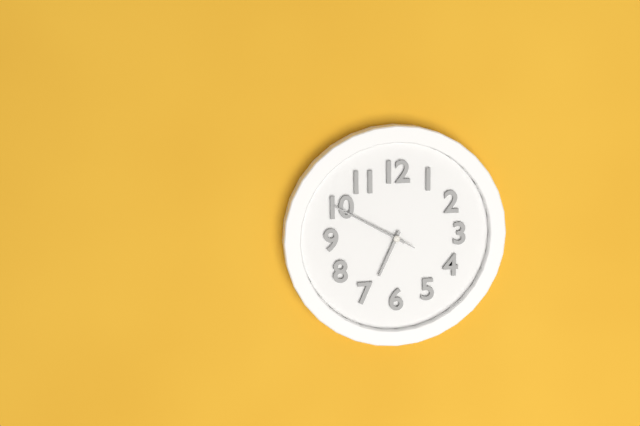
6:50:50
